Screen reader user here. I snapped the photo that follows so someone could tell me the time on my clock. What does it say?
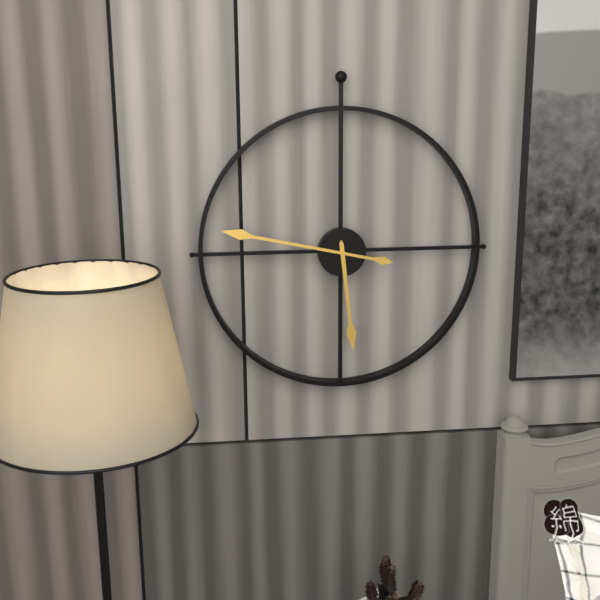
5:47
